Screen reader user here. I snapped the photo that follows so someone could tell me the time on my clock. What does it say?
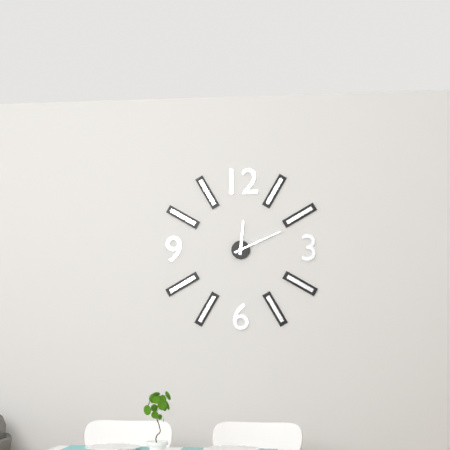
12:11
